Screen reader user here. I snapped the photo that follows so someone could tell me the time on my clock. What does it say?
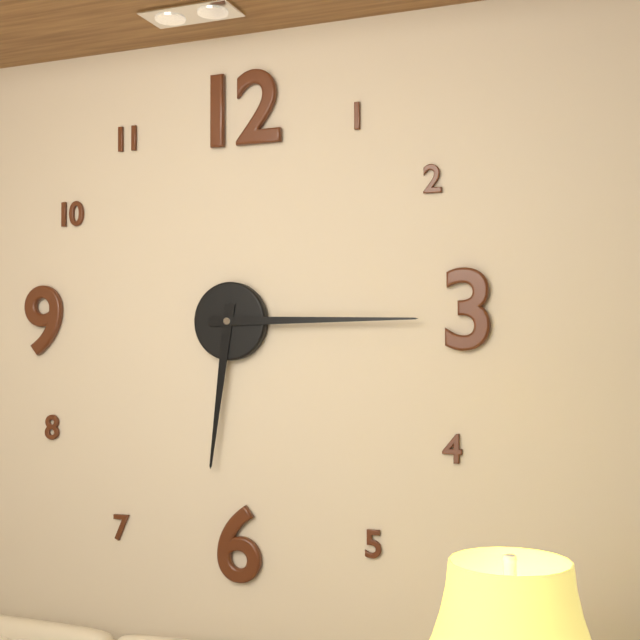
6:15
